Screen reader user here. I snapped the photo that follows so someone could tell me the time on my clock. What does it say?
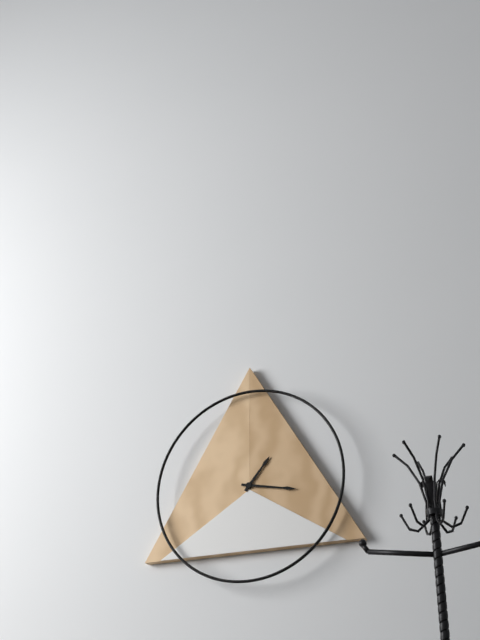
1:17
